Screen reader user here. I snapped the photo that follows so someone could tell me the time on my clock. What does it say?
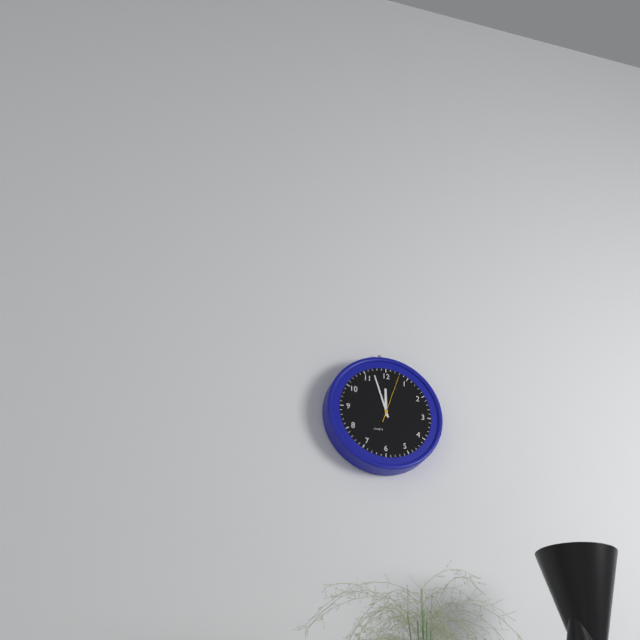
11:57
